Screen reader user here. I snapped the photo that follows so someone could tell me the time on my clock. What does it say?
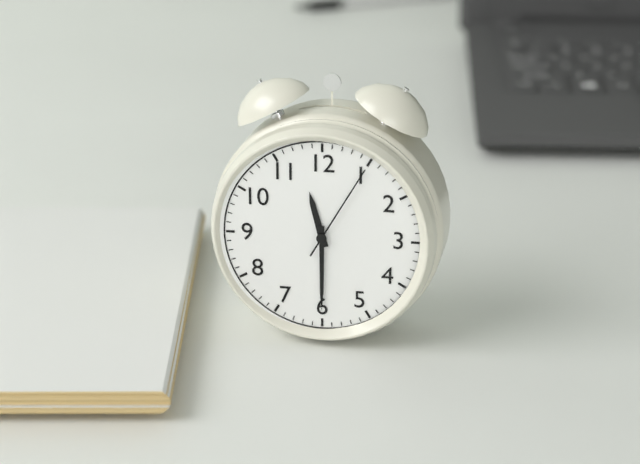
11:30:05
